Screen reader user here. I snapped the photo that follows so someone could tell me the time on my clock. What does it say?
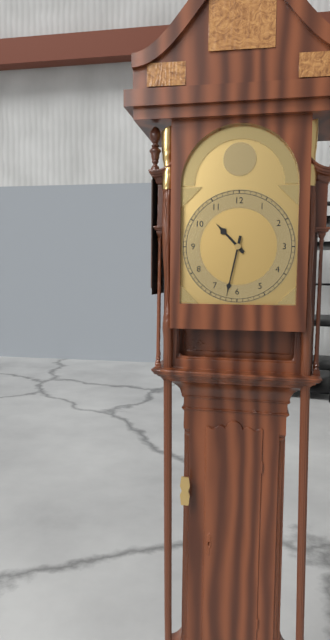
10:32
